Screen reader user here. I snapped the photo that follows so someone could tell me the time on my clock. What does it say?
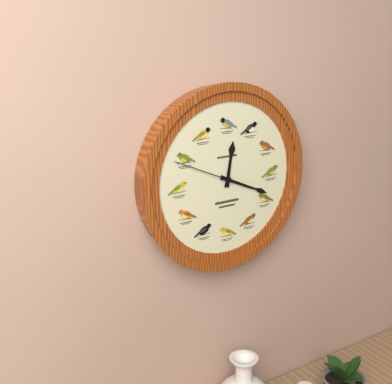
12:19:49
